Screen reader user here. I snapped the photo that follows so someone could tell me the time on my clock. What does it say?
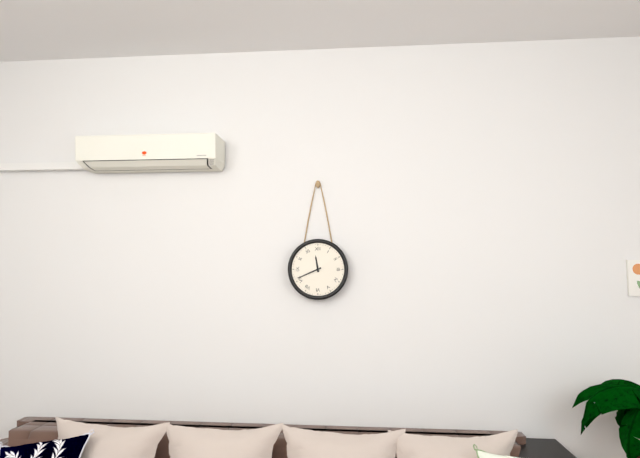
11:41
